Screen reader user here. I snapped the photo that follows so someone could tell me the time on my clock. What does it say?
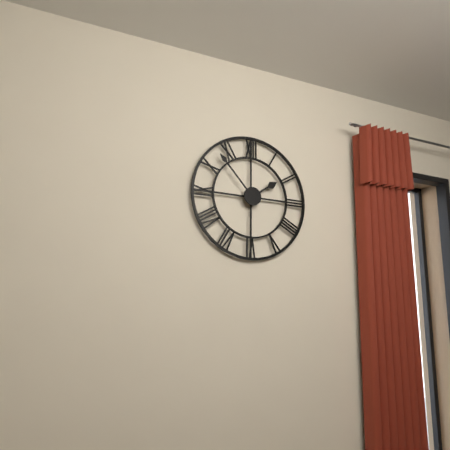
1:53
